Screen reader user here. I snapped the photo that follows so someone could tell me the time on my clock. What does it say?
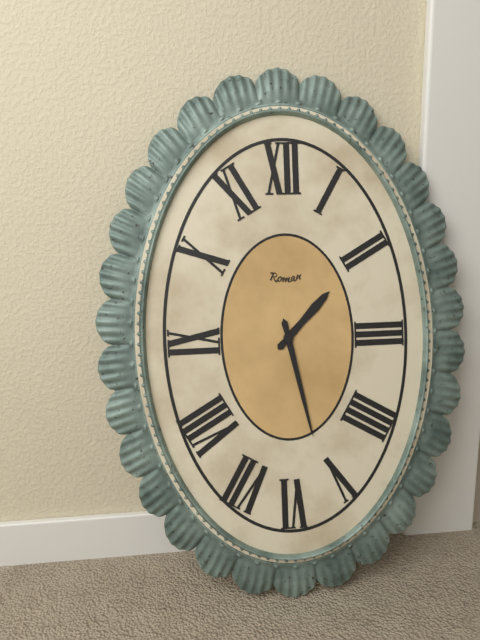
1:28
